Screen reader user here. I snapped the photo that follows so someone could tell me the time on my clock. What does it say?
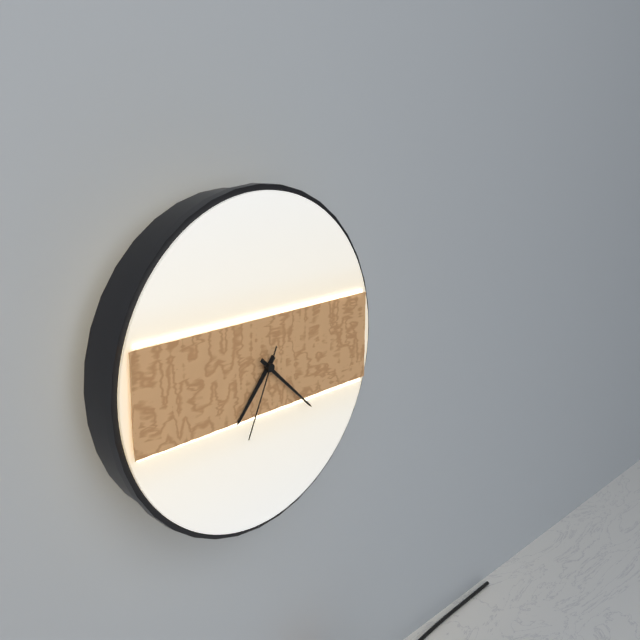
7:22:34
